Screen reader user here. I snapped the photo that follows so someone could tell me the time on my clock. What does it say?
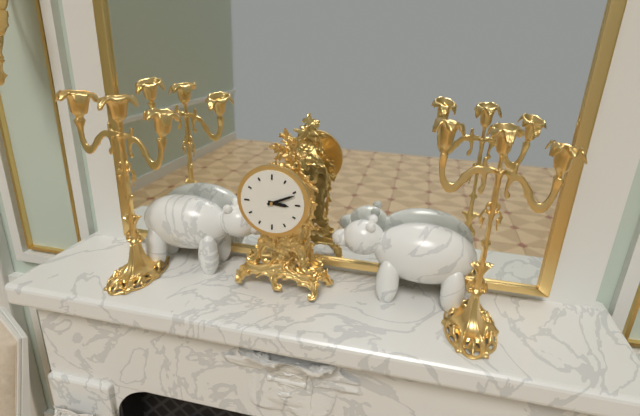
3:11
